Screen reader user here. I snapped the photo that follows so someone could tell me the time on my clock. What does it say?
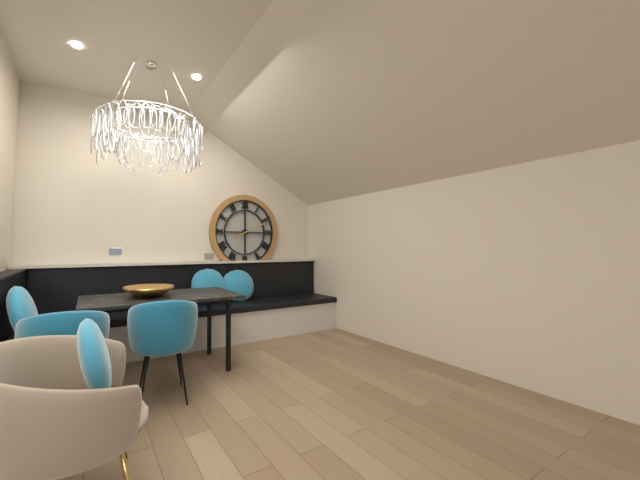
8:11
